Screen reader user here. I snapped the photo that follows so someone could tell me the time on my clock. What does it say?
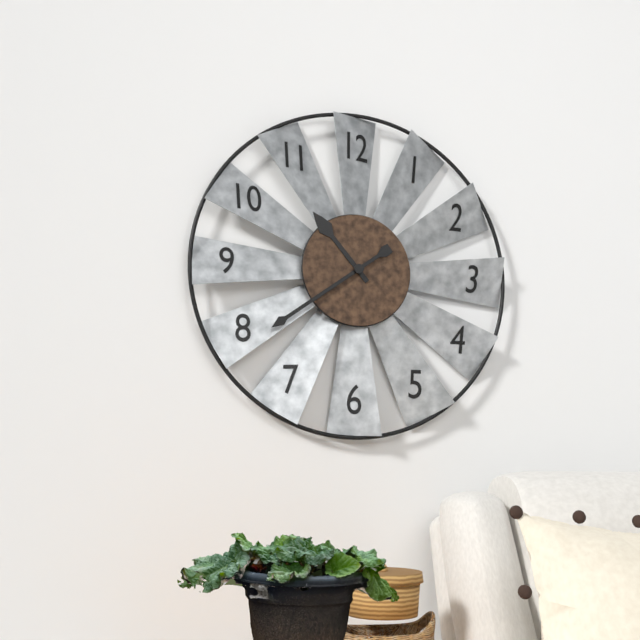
10:39
